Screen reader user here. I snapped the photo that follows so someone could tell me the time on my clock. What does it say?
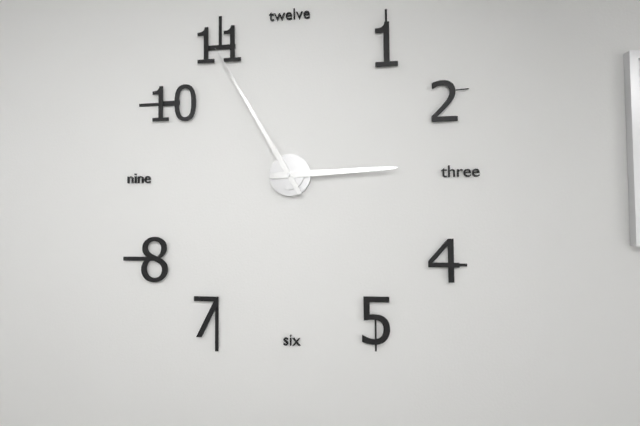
2:55
